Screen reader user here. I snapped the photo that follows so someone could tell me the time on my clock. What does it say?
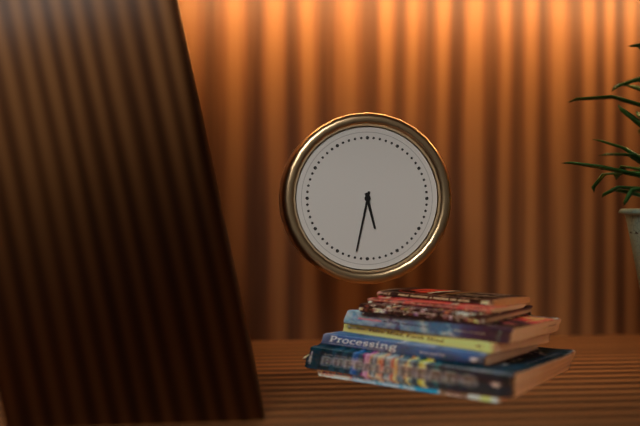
5:32
